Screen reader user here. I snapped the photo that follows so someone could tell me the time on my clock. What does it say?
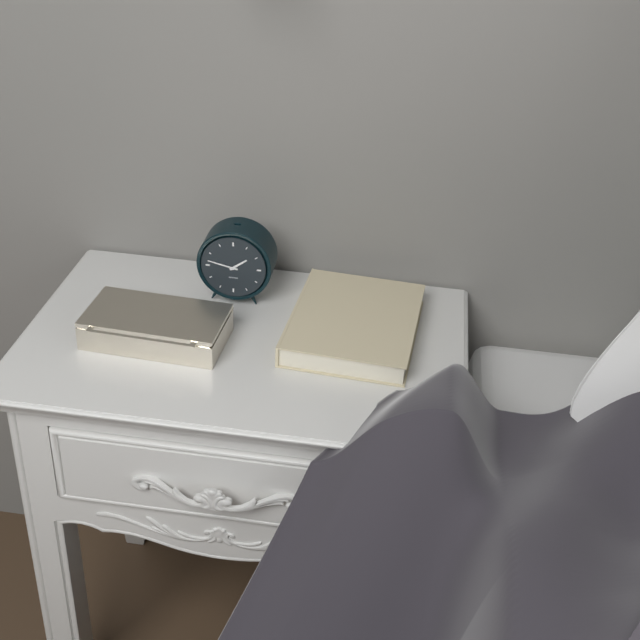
1:47
